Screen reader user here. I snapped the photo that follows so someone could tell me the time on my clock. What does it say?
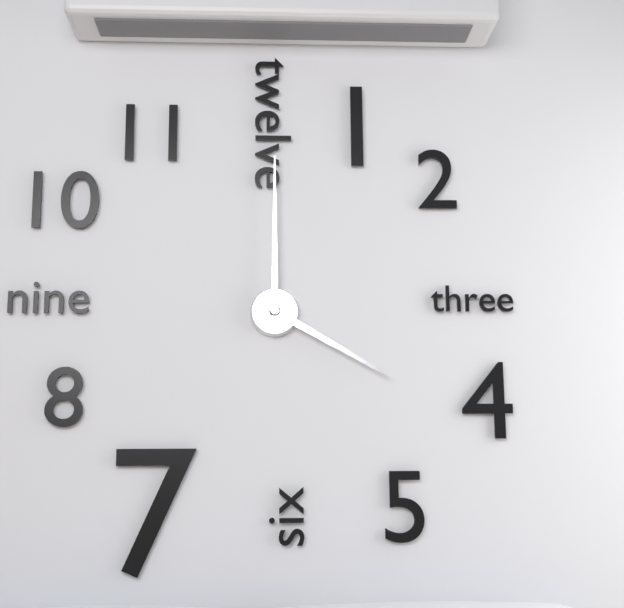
4:00
